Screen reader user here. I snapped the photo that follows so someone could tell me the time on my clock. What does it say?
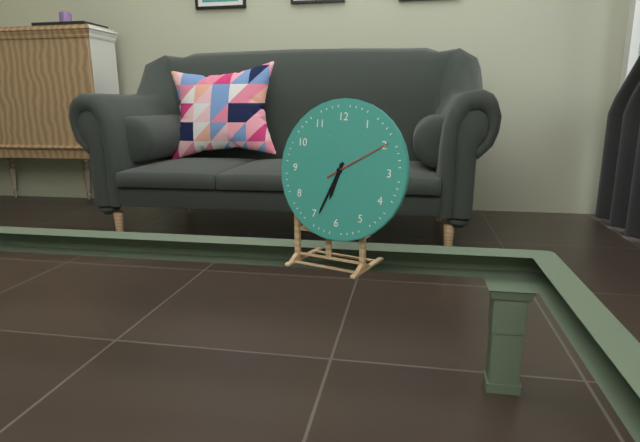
6:34:10
